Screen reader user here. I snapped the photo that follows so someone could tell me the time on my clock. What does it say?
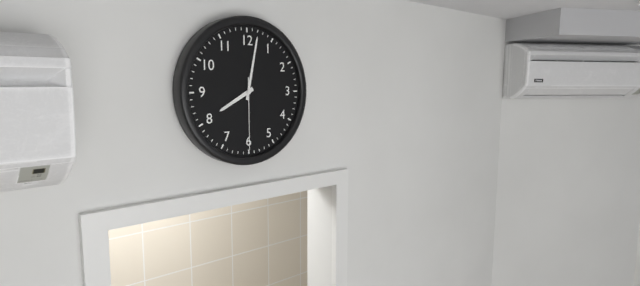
8:02:30
